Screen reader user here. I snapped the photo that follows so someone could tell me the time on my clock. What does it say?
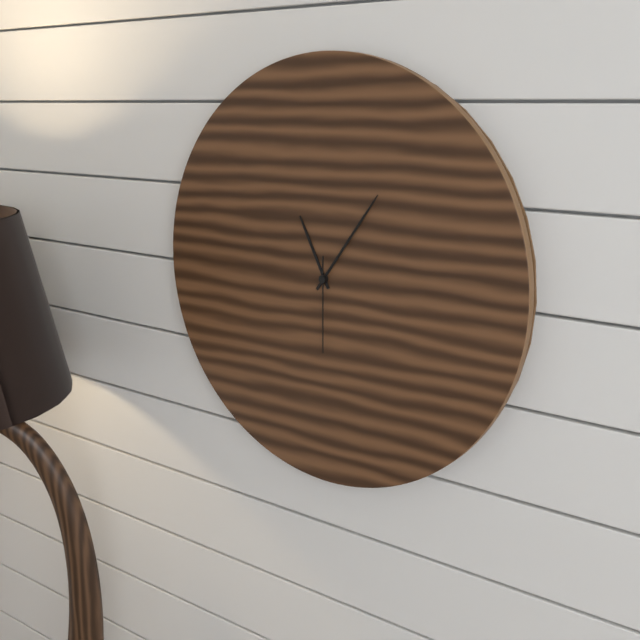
11:06:30
